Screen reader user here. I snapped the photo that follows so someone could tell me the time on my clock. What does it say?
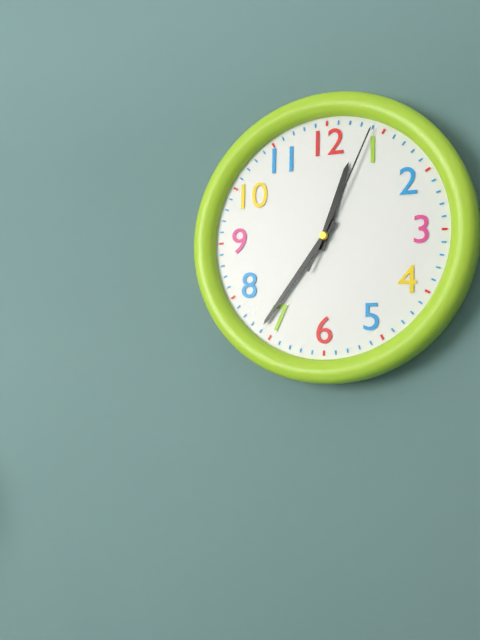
12:36:04
